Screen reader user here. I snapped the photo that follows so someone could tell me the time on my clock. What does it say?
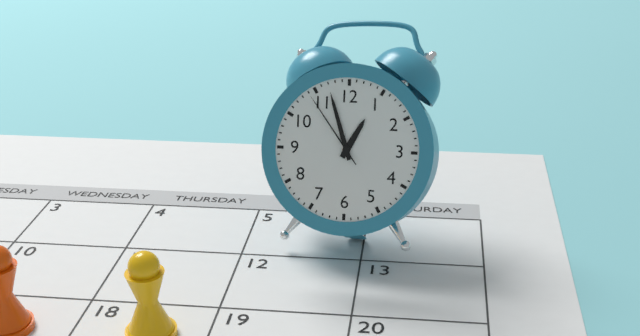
12:57:54
